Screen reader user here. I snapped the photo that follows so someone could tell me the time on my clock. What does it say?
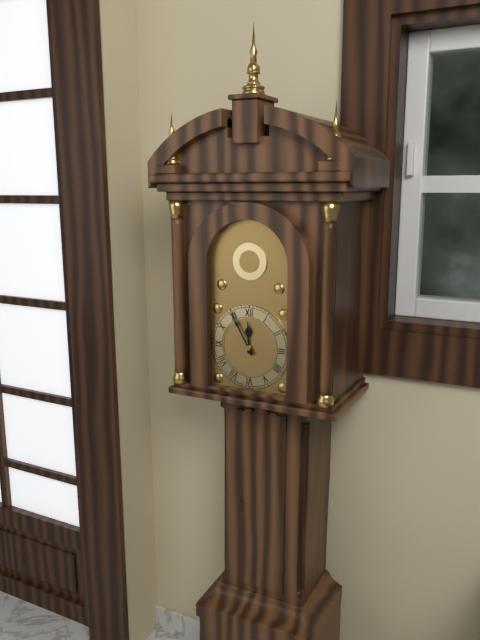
11:55
